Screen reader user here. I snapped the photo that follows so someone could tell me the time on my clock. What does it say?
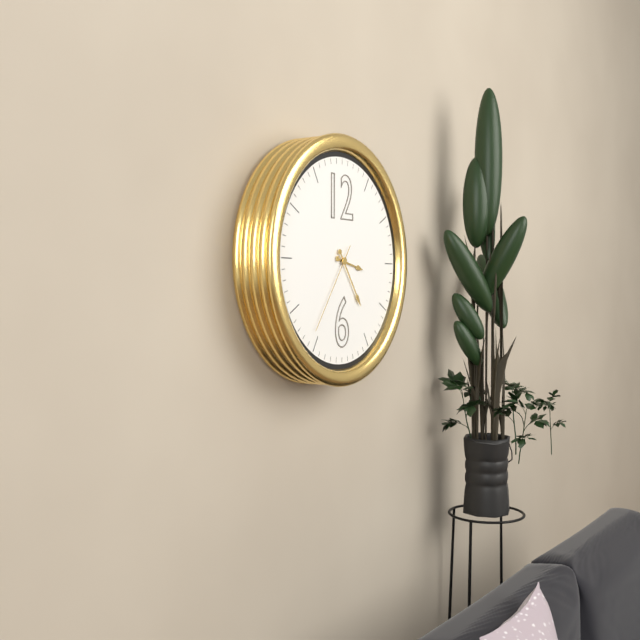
3:24:36
